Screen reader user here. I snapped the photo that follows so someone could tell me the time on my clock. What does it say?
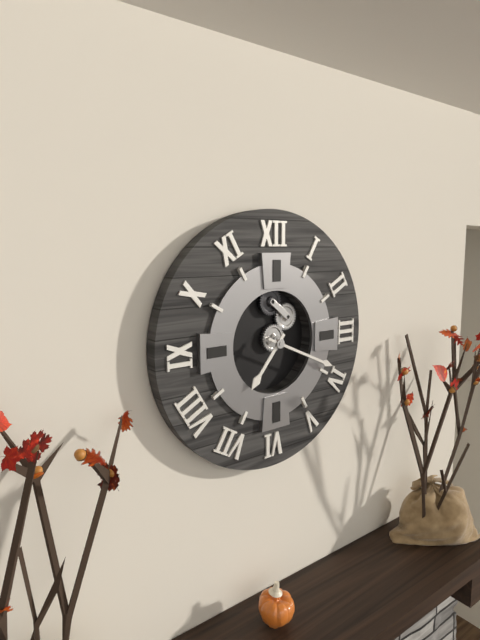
7:19
